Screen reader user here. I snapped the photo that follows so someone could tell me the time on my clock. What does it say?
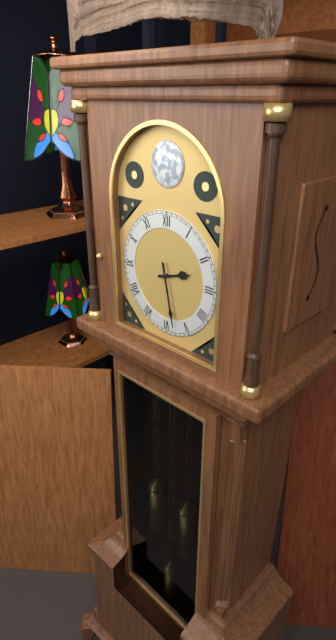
2:28
